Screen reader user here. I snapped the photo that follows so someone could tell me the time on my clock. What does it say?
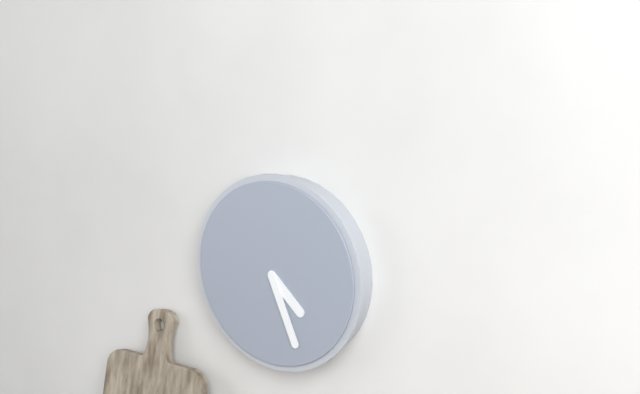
4:26
